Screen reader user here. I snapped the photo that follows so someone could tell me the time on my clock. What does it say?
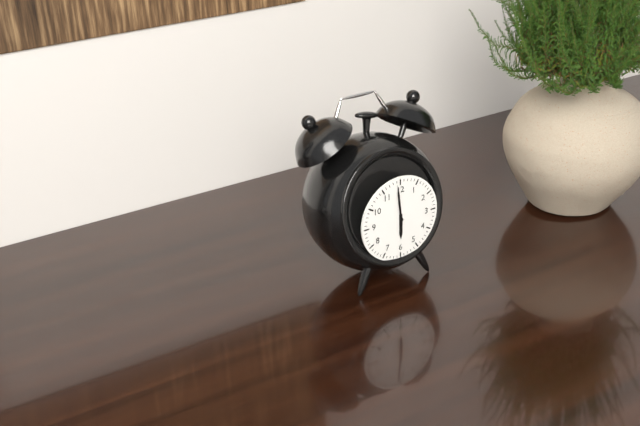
5:59
